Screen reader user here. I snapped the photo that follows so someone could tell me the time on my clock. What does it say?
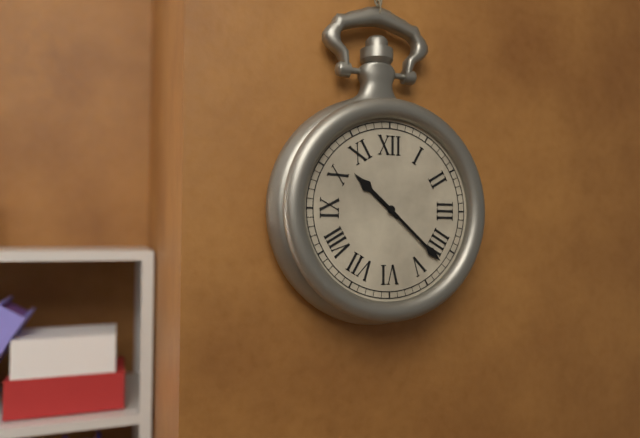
10:22
